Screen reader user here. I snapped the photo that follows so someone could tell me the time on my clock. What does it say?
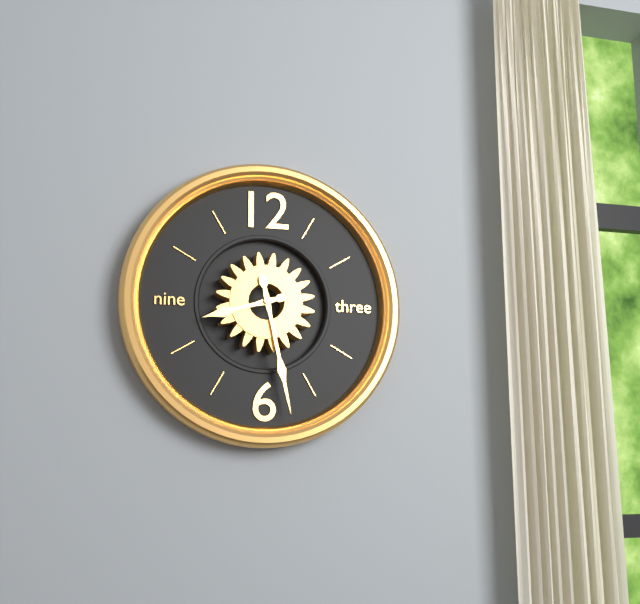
8:28
